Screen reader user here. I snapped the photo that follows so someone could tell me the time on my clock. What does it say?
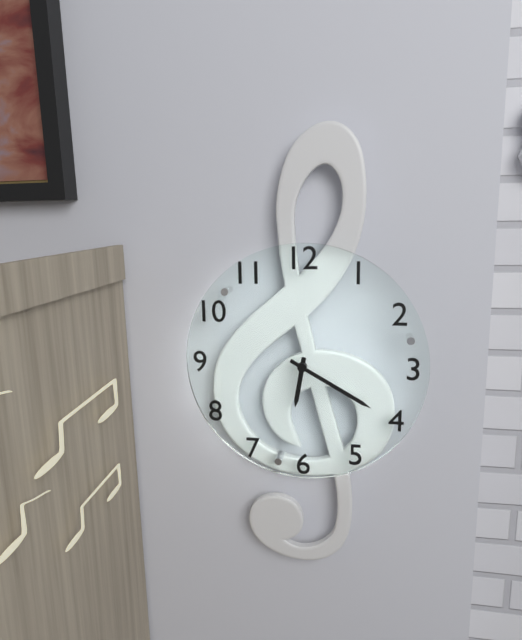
6:20
